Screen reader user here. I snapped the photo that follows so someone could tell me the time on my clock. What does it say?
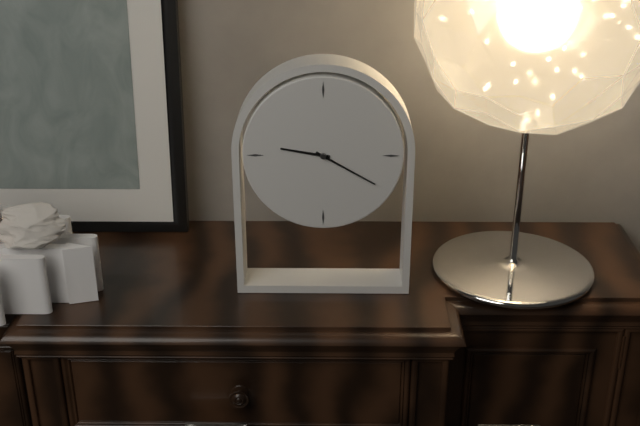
9:20
